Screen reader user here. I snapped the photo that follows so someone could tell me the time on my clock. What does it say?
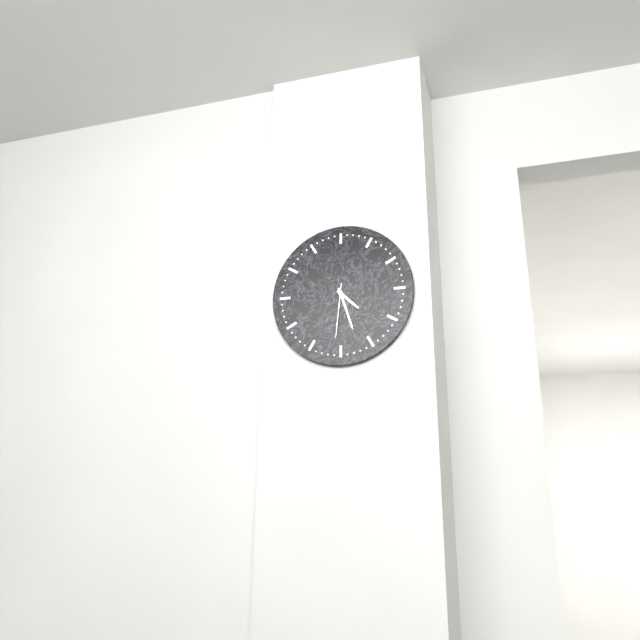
4:27:31
